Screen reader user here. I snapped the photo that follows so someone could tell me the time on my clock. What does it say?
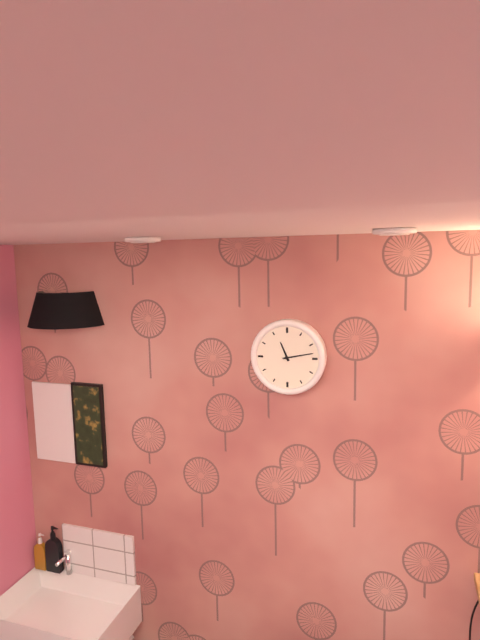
11:13
